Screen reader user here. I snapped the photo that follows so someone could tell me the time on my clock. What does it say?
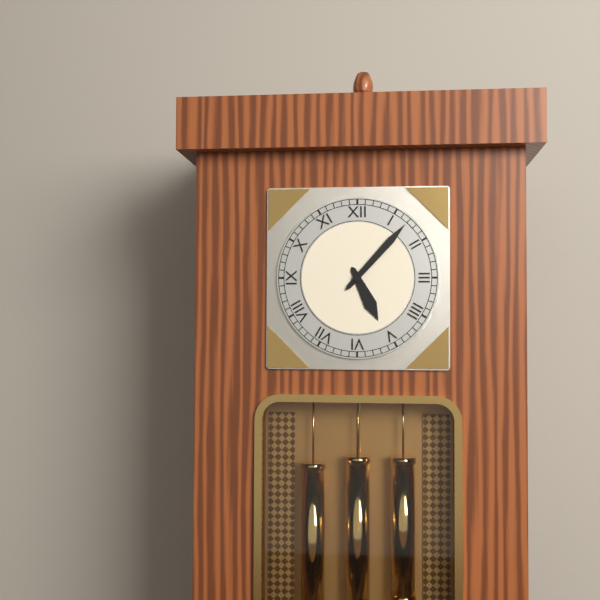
5:07
